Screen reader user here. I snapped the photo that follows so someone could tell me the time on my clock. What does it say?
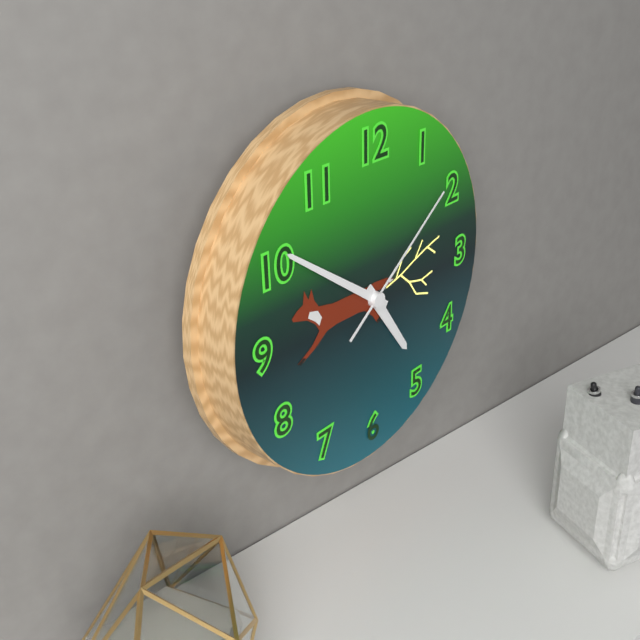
4:51:09
